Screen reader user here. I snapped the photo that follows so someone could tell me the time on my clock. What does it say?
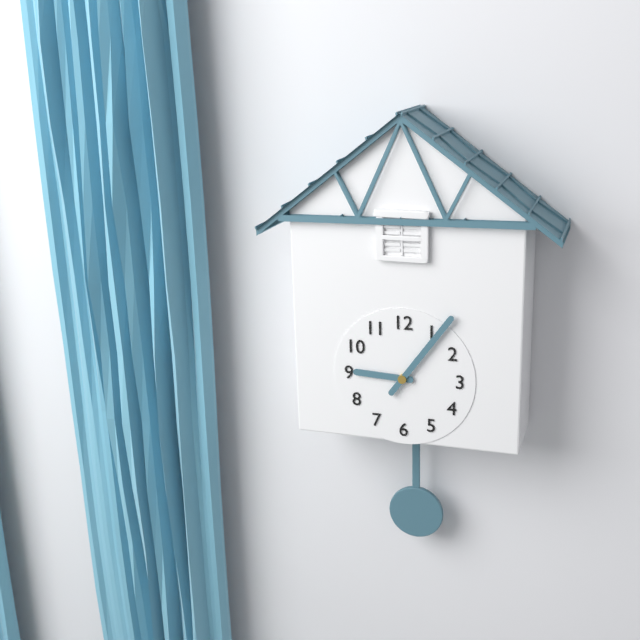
9:06
